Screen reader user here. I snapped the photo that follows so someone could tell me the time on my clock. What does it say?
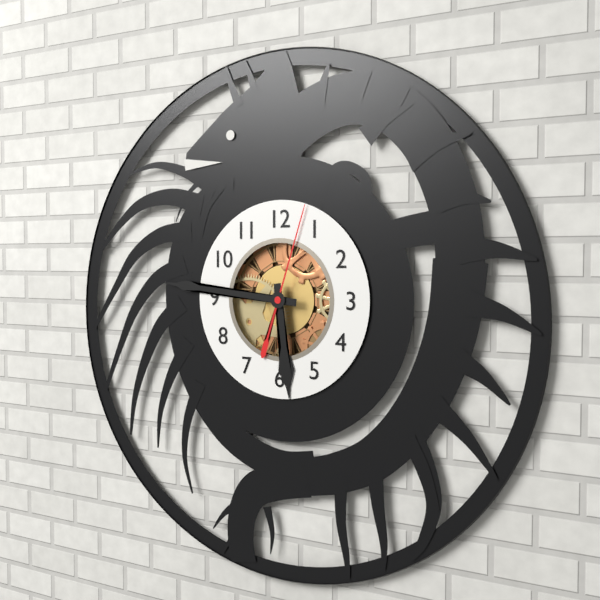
5:46:03
